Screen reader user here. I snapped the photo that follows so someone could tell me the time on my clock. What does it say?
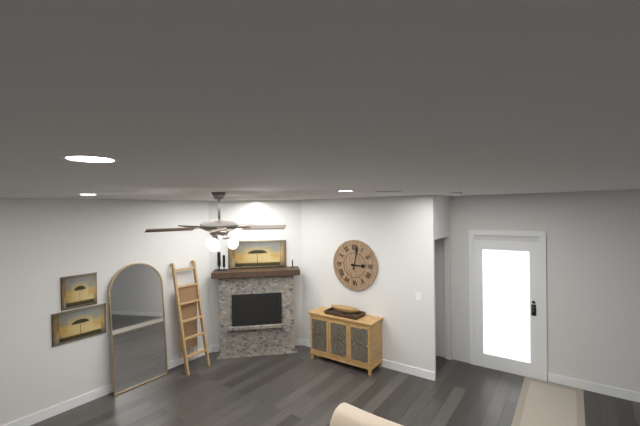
3:02
